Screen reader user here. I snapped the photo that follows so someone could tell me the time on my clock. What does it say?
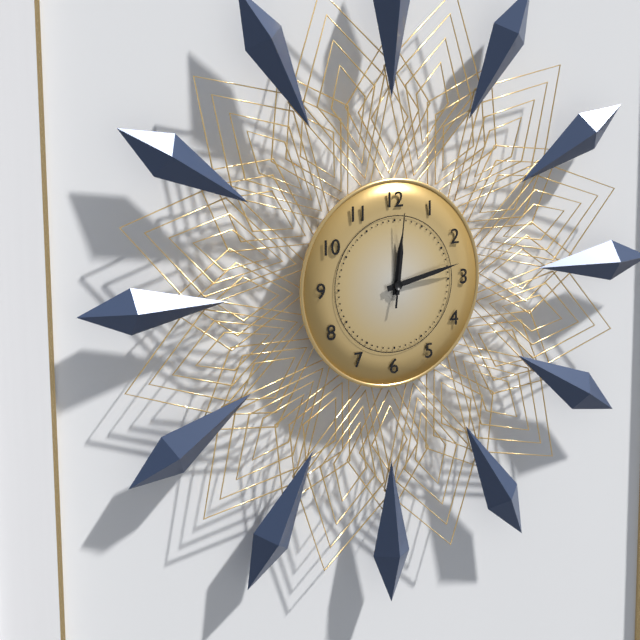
12:13:01
